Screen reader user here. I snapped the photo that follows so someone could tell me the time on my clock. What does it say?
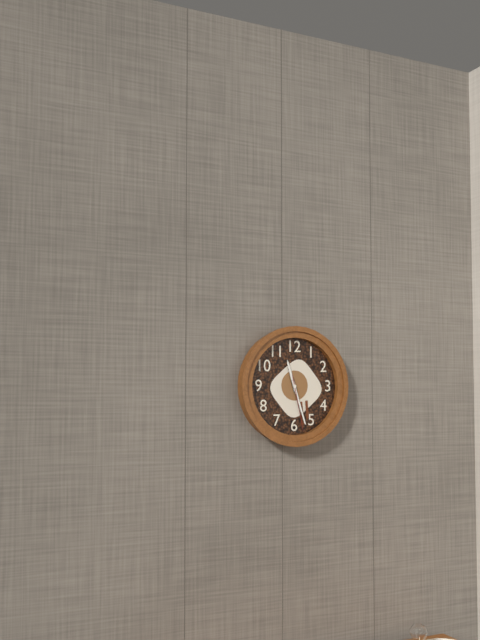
11:27:28
